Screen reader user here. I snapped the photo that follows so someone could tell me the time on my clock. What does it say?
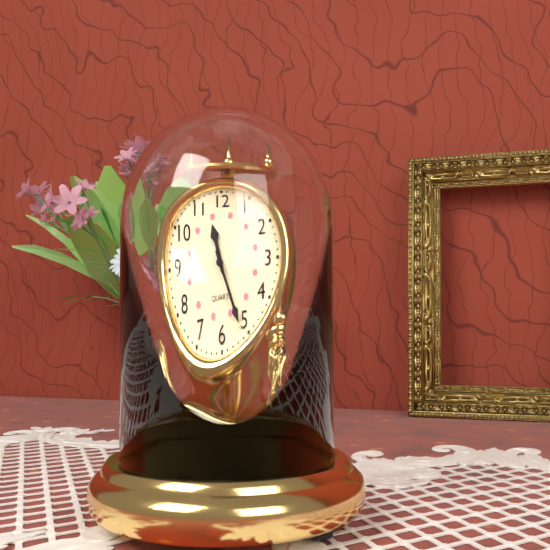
11:26
